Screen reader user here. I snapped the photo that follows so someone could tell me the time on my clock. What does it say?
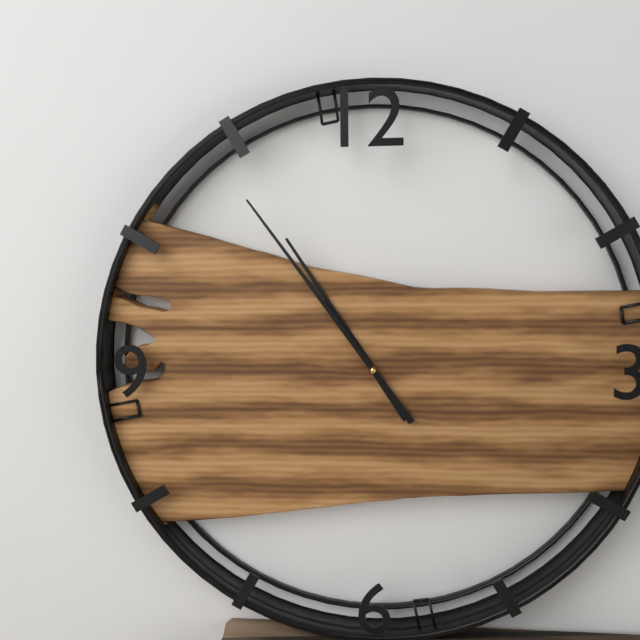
10:54
